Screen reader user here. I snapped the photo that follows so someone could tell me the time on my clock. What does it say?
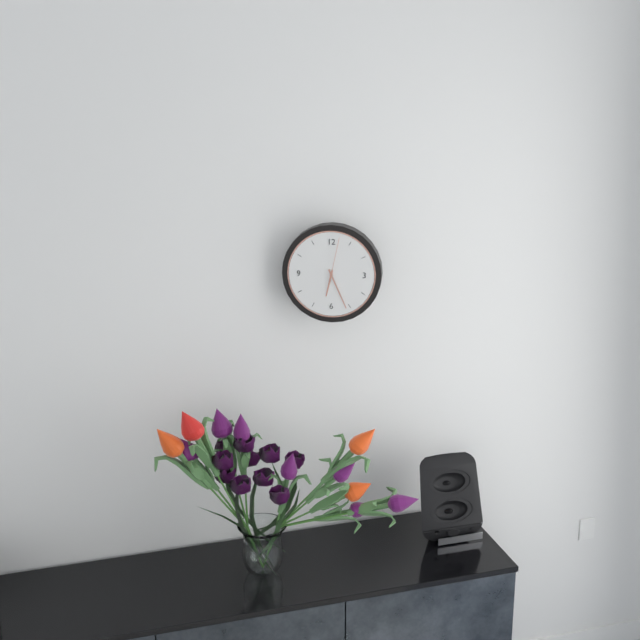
6:26
